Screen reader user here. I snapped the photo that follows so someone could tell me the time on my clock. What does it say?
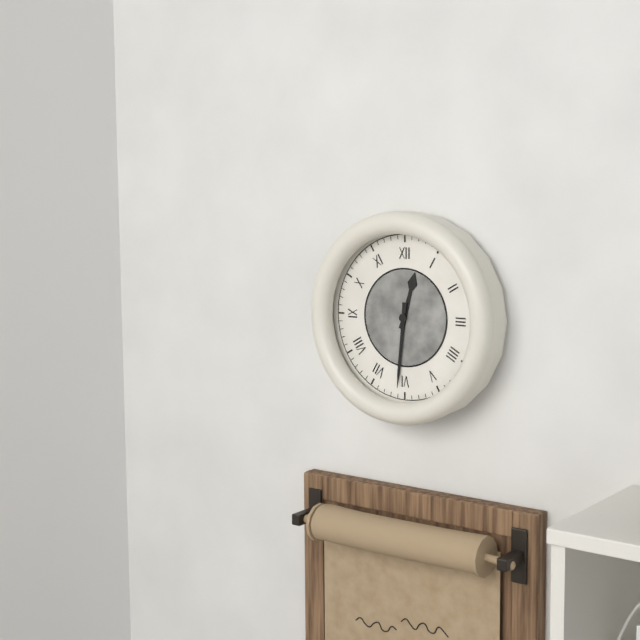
12:31
